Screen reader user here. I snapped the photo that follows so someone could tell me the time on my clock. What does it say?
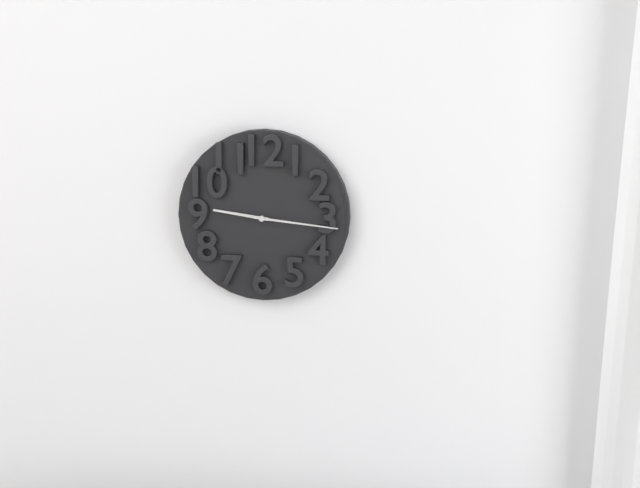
9:16
